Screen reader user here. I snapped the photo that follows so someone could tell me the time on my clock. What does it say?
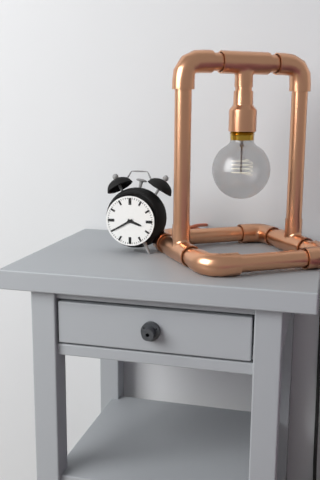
3:40
